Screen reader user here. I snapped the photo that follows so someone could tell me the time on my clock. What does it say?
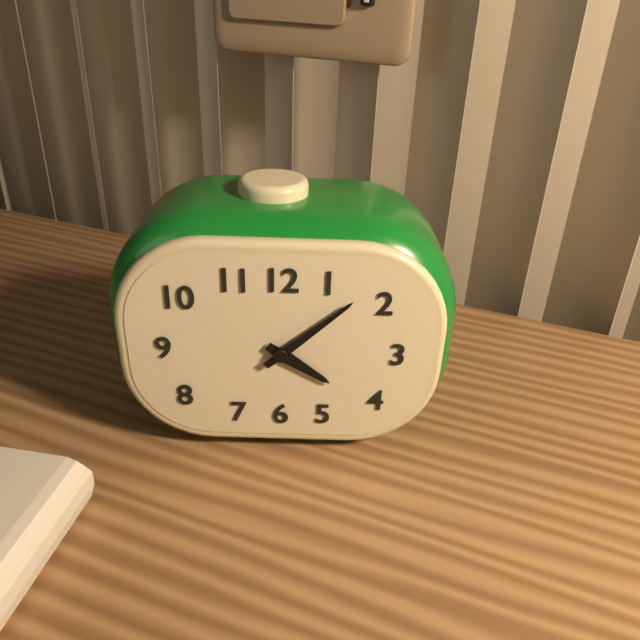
4:08
